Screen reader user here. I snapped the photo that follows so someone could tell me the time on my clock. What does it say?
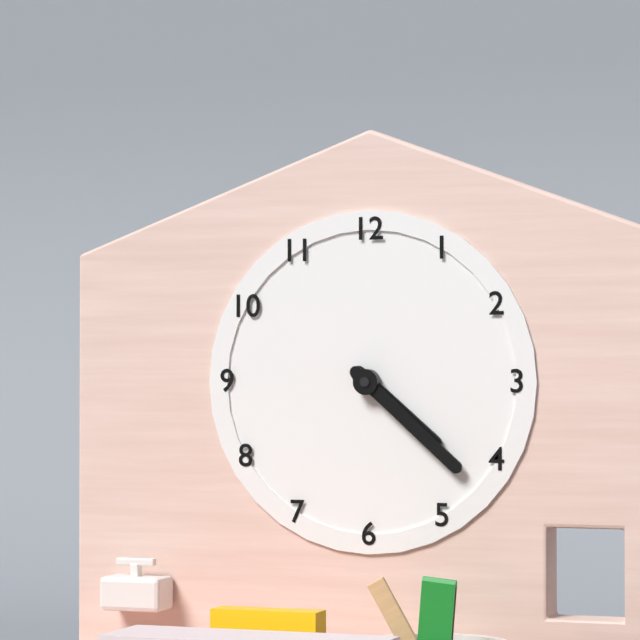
4:22
